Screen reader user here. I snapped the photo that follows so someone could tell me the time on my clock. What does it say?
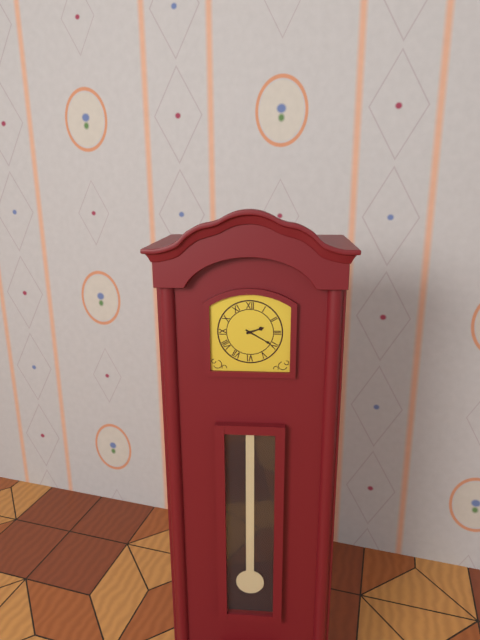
2:20
